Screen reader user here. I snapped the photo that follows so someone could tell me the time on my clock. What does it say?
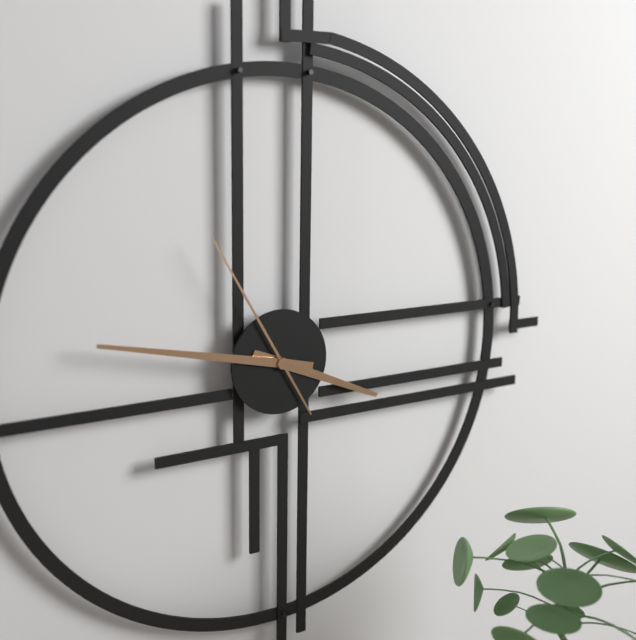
3:47:55
